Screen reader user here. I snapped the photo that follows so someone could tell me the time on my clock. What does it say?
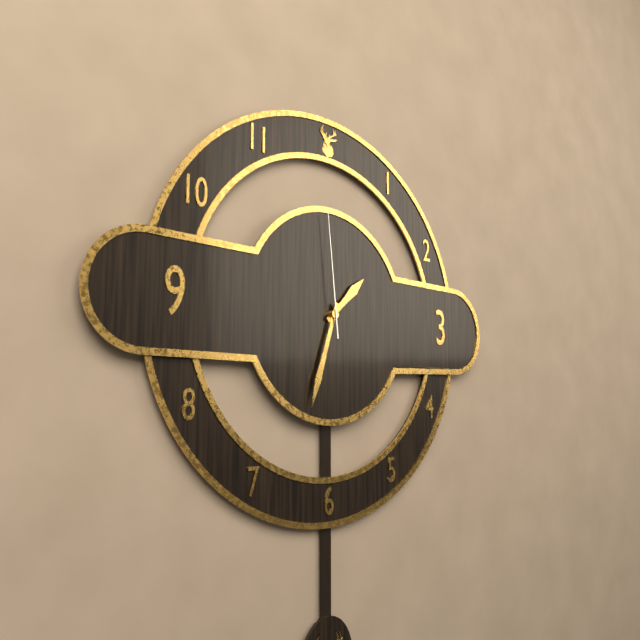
1:33:59
